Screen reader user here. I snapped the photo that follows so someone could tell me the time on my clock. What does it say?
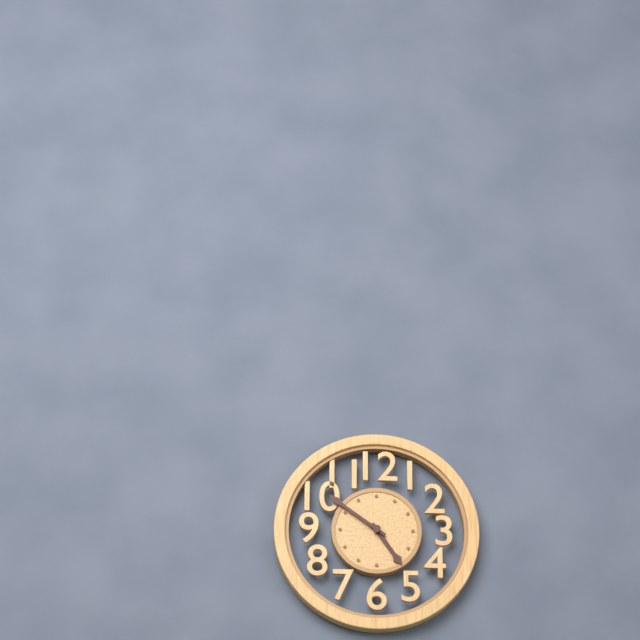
4:51
